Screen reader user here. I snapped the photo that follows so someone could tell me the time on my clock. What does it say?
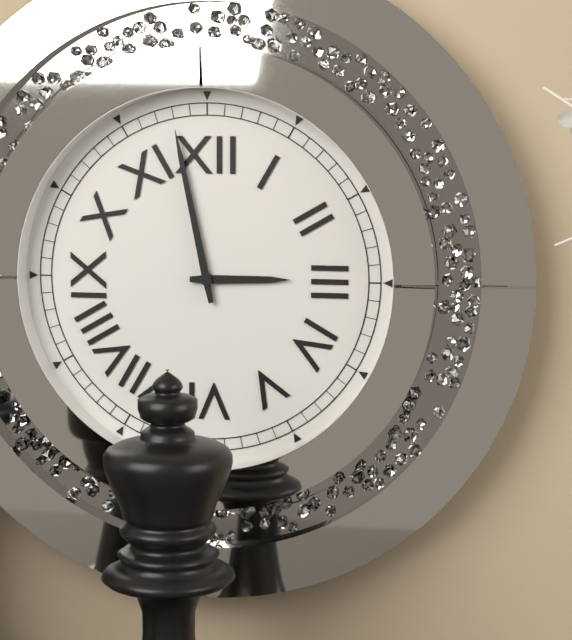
2:58
